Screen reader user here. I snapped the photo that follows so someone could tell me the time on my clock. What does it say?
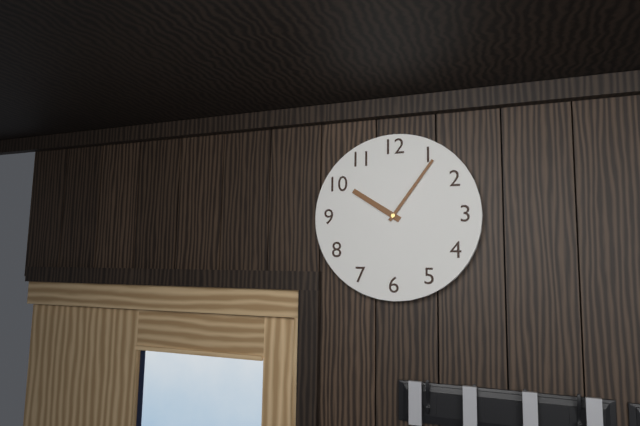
10:06
